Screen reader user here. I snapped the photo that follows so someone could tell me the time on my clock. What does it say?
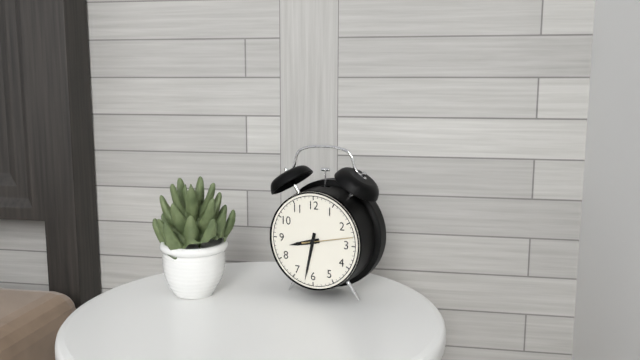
8:32:13
